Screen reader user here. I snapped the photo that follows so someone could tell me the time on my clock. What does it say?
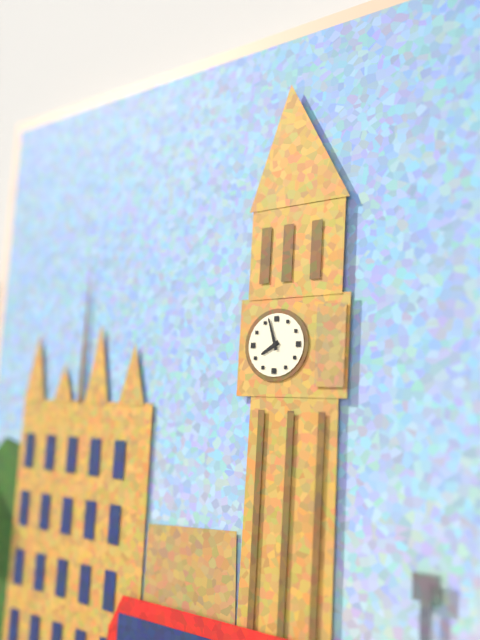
7:57
